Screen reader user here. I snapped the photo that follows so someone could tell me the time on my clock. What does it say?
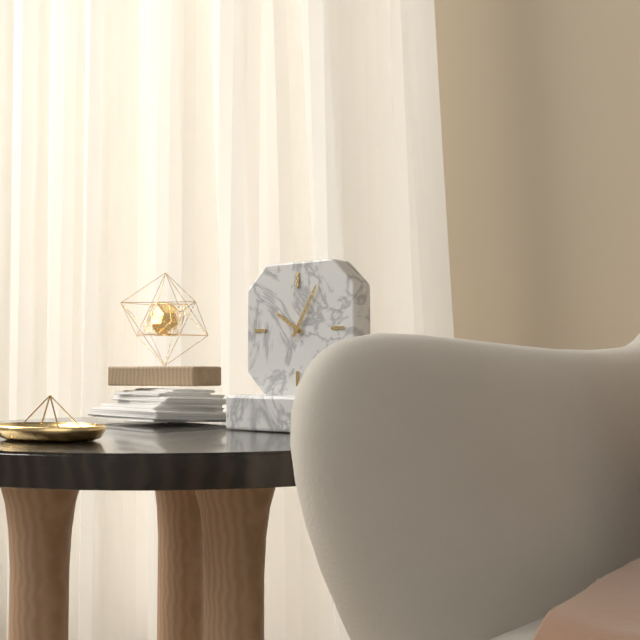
10:05
